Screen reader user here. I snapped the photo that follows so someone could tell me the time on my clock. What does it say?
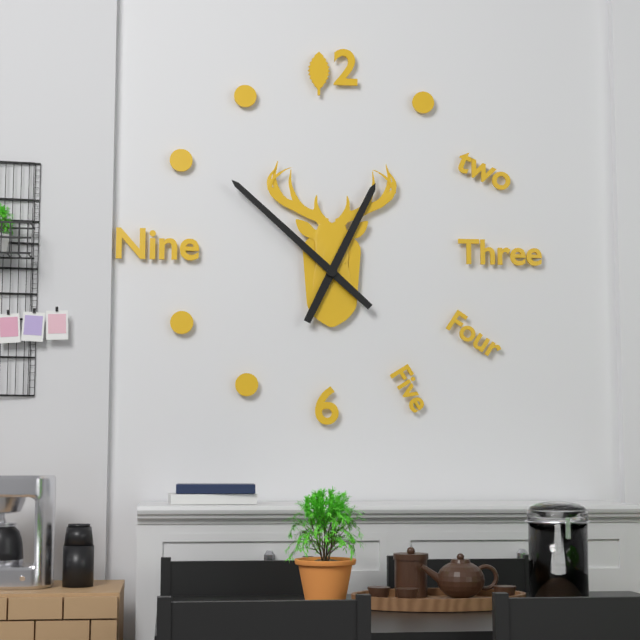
12:52
